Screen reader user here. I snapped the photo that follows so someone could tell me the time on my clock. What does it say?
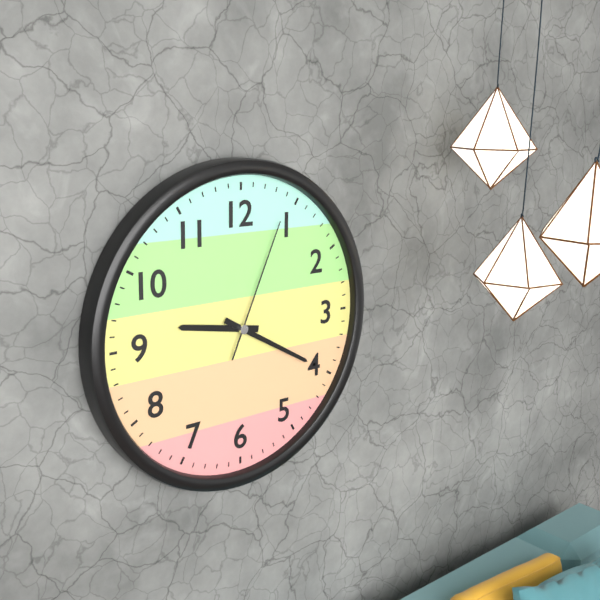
9:20:04
